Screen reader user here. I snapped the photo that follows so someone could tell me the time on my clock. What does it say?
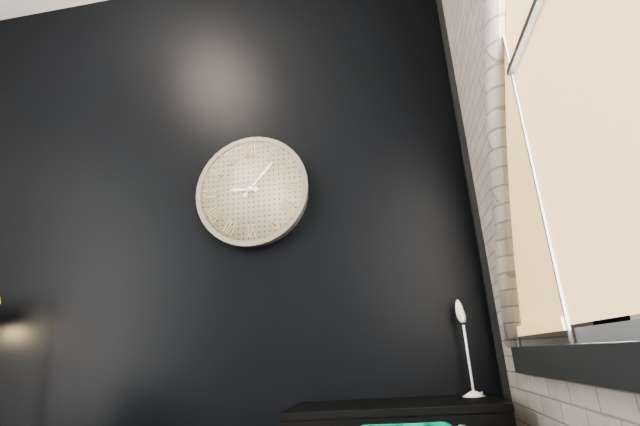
9:07
